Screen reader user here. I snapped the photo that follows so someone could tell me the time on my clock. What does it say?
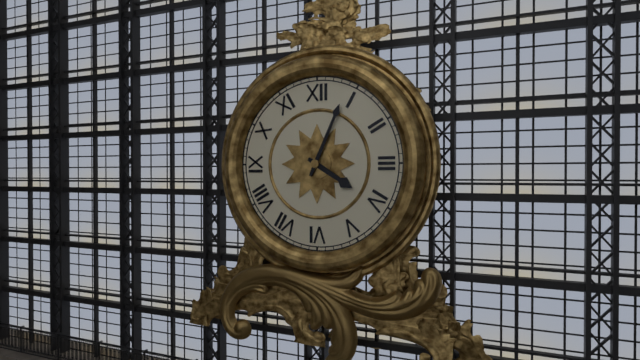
4:04
